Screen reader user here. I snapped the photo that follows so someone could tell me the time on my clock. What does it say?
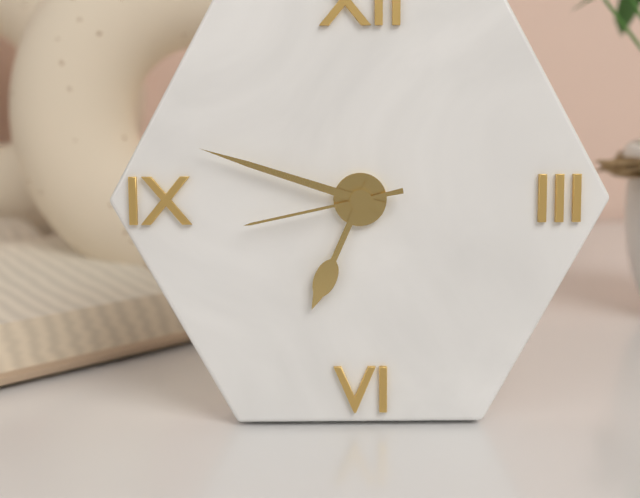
6:48:43
